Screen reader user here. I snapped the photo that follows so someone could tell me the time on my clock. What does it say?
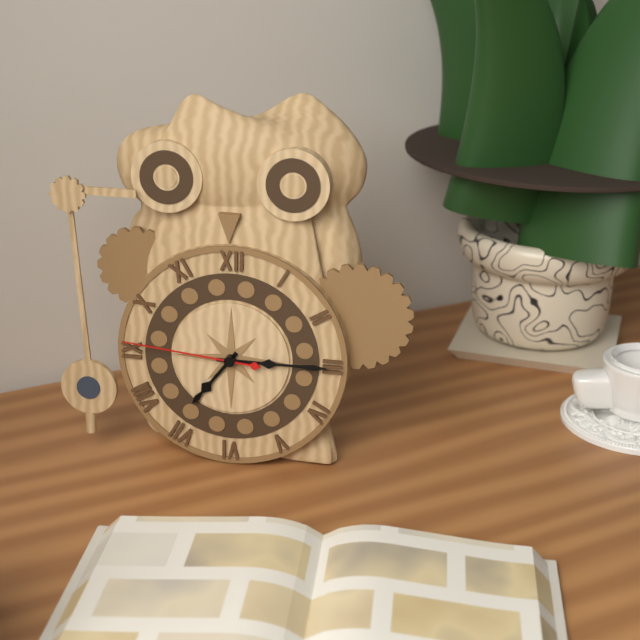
7:15:46
